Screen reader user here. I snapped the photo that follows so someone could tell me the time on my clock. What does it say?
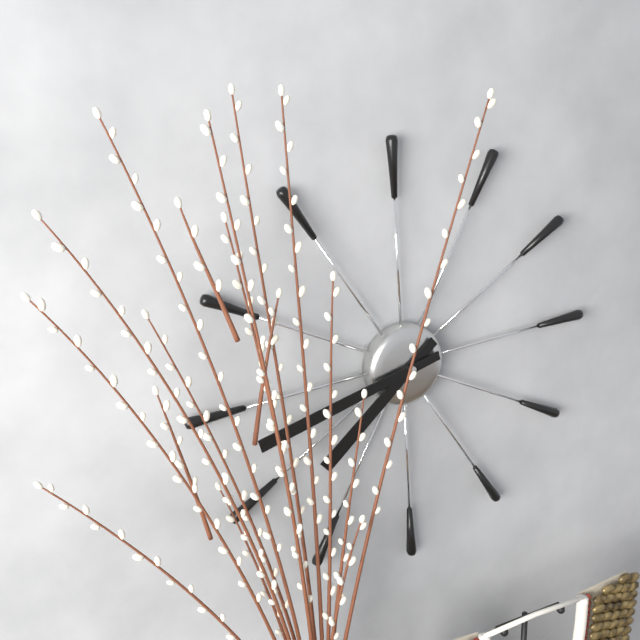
7:43
